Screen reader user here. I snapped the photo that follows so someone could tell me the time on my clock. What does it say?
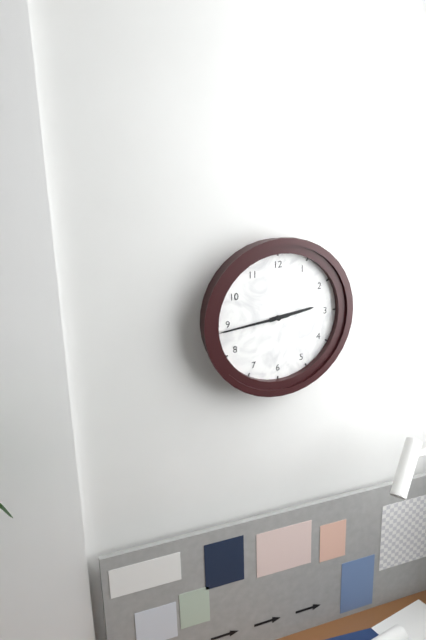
2:44
